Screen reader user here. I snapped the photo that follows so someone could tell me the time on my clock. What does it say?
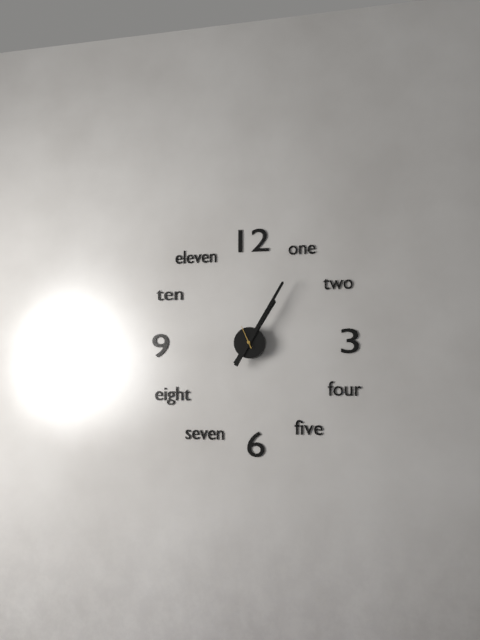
1:05
